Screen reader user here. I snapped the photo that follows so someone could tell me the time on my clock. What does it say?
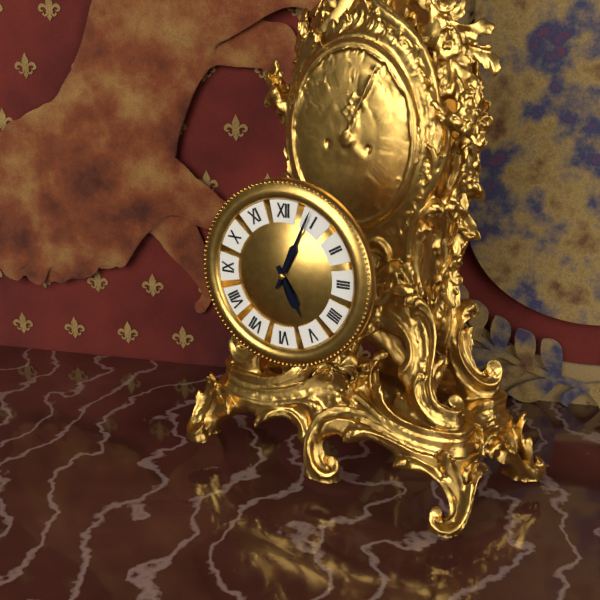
5:04
